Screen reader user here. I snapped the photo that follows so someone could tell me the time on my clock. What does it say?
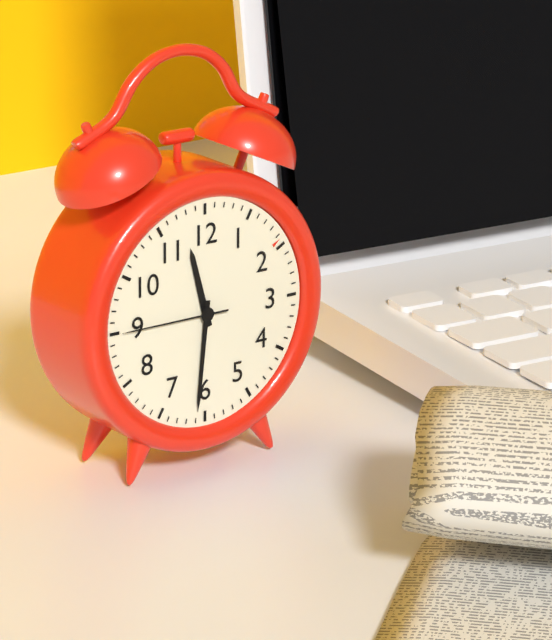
11:31:45
